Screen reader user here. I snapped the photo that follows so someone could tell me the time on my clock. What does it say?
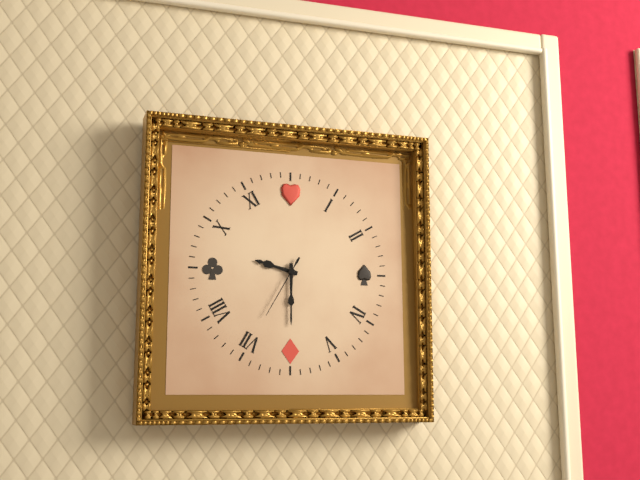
9:30:35
